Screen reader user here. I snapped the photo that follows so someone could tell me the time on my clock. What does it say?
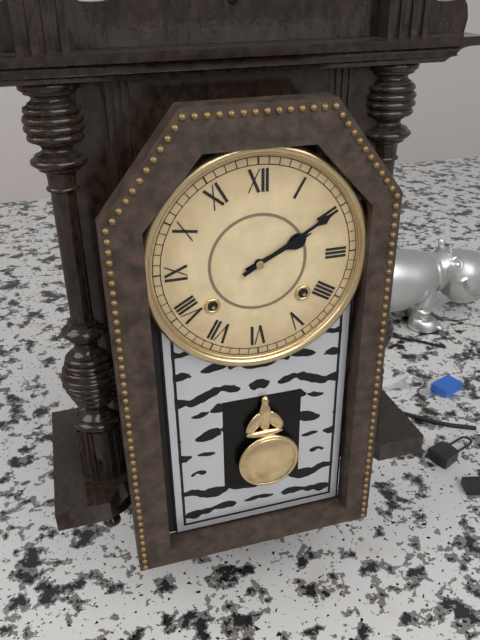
2:10
